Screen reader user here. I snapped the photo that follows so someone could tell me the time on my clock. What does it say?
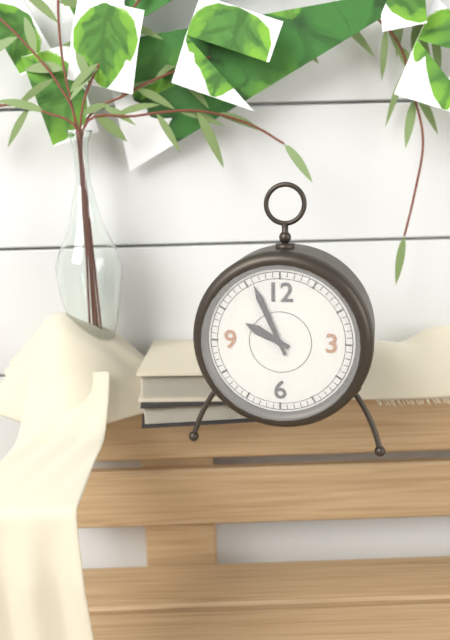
9:56
